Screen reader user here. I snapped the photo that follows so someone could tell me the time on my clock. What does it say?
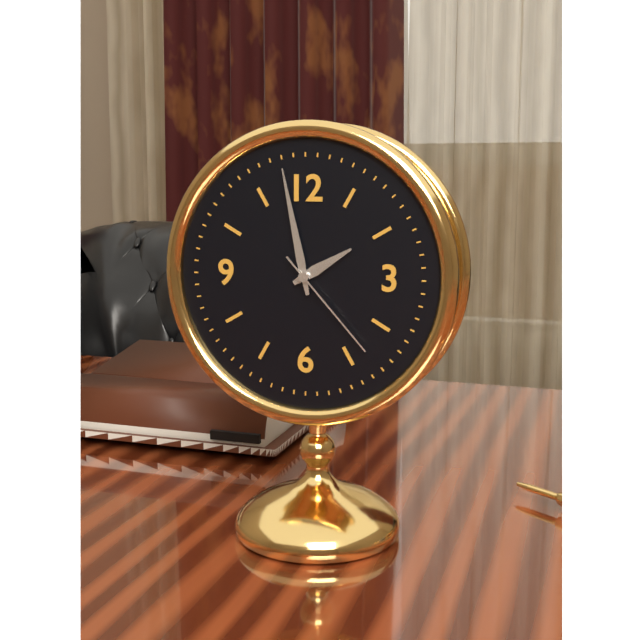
1:58:23
